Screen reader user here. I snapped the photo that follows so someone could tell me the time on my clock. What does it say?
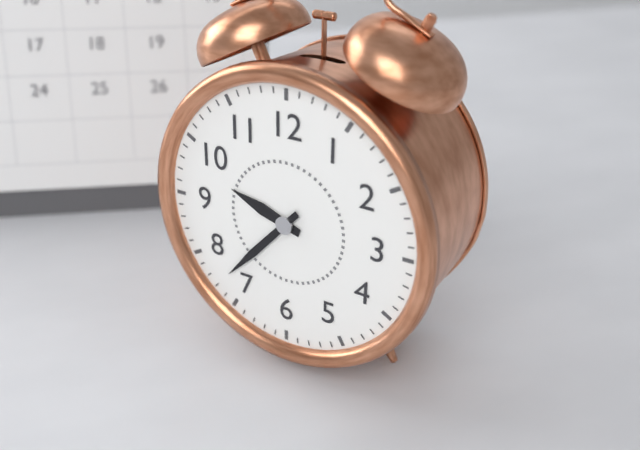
9:37
